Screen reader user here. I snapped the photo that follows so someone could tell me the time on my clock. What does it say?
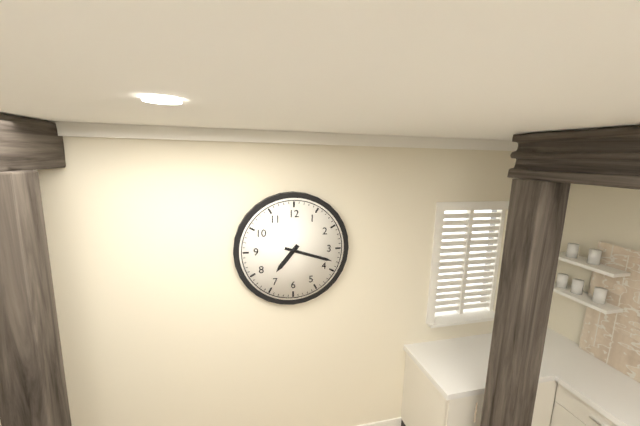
7:18
